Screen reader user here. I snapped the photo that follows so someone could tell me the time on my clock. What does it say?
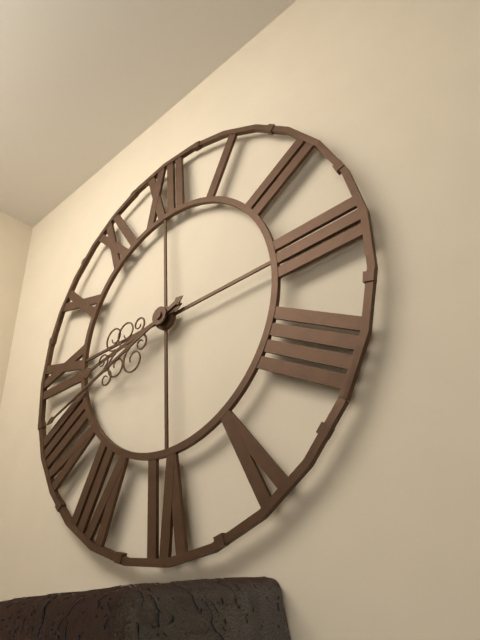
8:42
